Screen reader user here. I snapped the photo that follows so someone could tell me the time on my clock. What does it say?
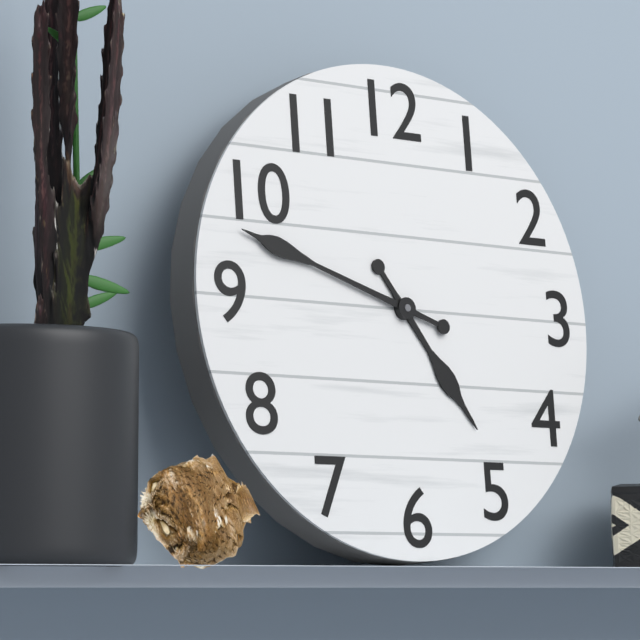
4:48
